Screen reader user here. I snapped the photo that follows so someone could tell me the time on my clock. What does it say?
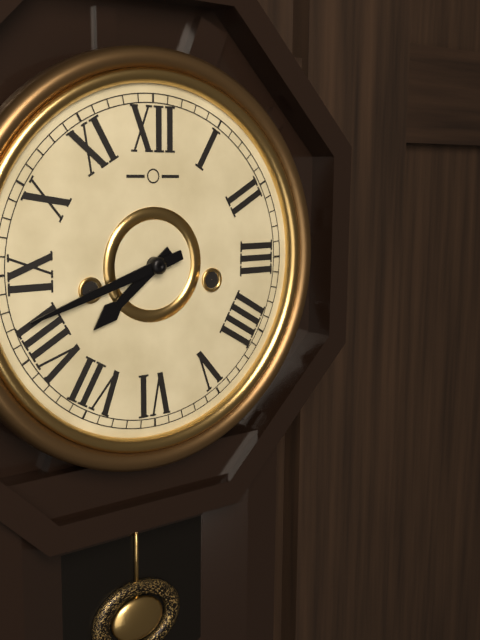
7:42
